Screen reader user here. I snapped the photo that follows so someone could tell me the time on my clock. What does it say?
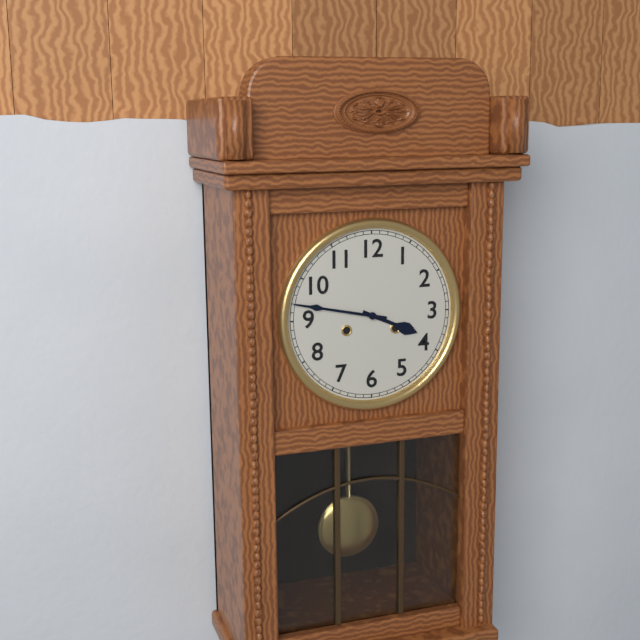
3:47
